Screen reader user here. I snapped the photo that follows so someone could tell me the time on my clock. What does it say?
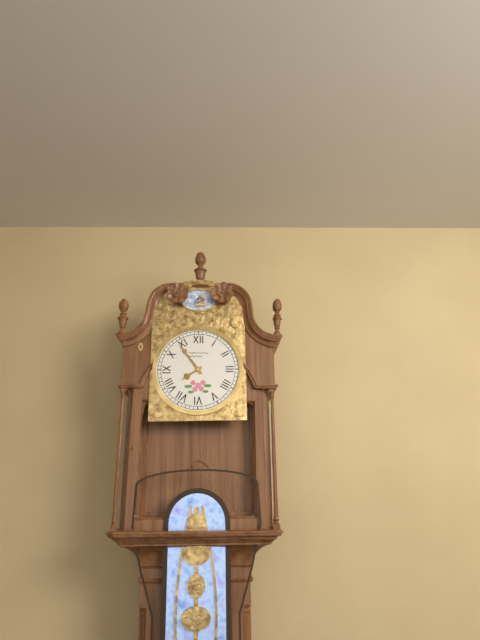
7:54
